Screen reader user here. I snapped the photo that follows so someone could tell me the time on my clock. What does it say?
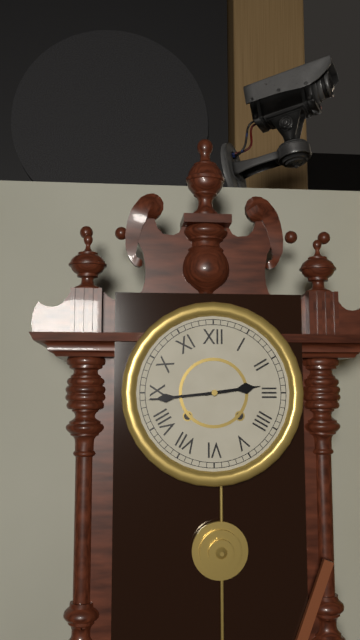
2:44
